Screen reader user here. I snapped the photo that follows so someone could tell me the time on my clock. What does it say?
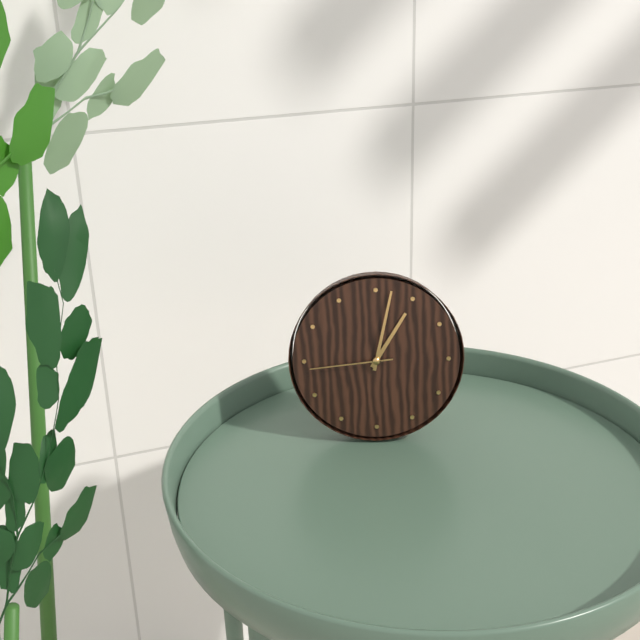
1:02:44
